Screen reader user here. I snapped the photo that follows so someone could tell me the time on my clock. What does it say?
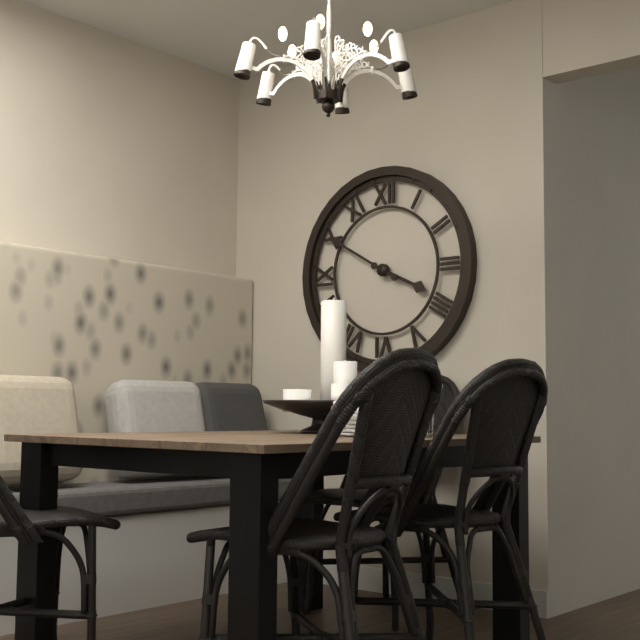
3:50
